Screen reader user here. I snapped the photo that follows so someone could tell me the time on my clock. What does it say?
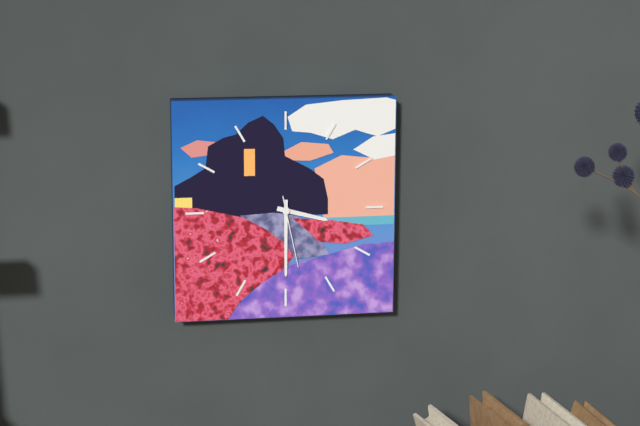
3:30:28
